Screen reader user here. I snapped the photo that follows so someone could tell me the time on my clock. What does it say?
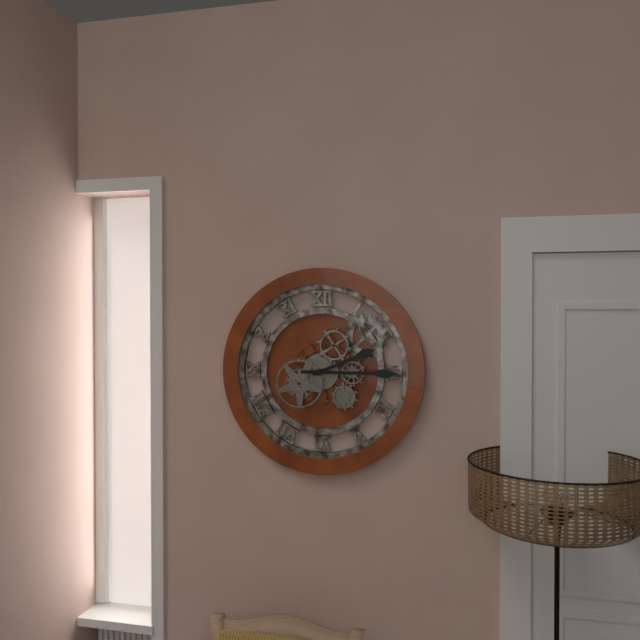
2:15
